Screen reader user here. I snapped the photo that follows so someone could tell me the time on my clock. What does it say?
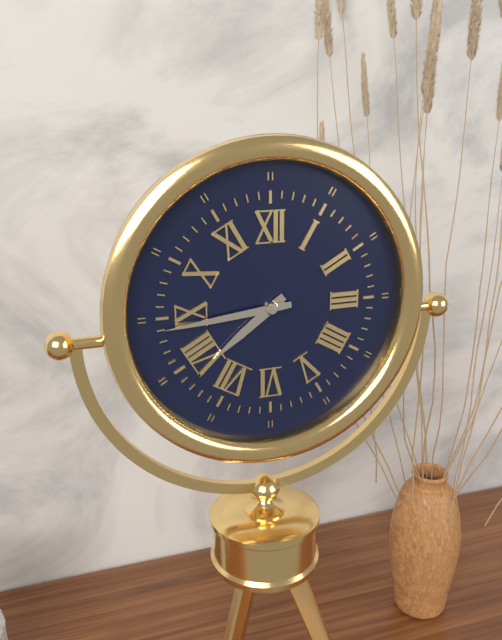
7:44
